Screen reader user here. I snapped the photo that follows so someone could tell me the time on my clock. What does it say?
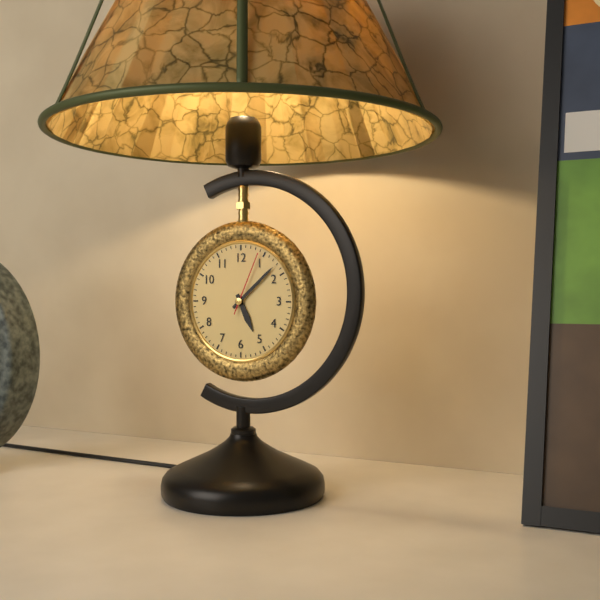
5:08:04
